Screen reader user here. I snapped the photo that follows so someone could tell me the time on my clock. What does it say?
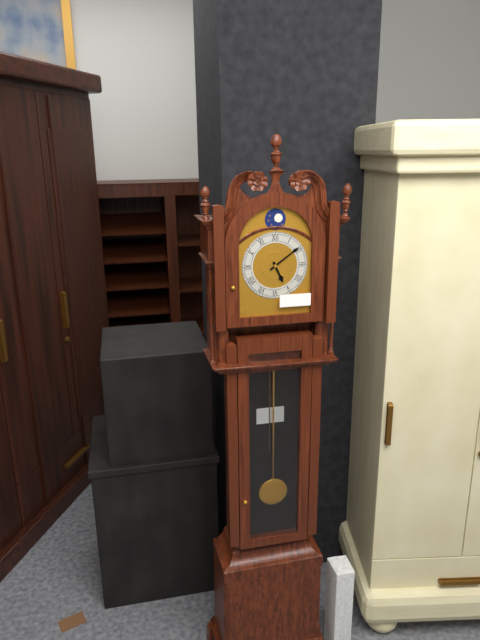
5:09
